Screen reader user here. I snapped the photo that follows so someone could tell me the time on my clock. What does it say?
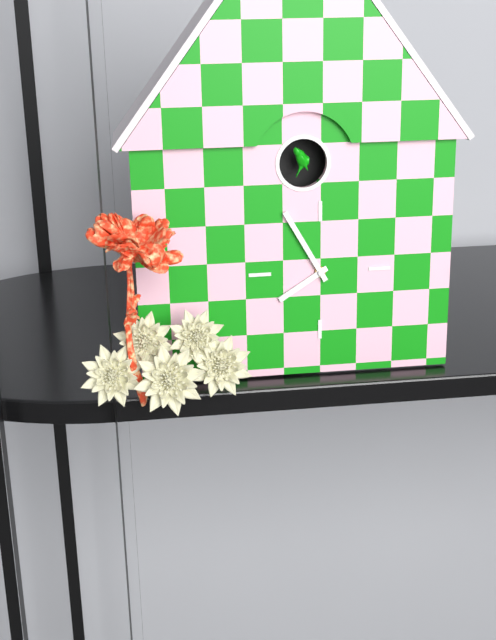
7:55
